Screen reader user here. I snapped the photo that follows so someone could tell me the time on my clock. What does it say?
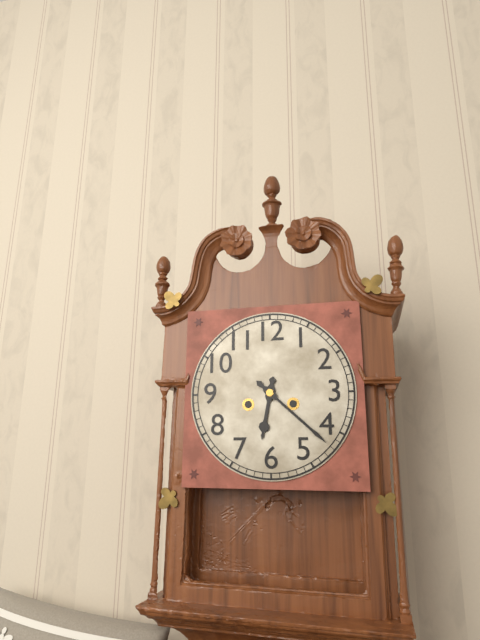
6:22
